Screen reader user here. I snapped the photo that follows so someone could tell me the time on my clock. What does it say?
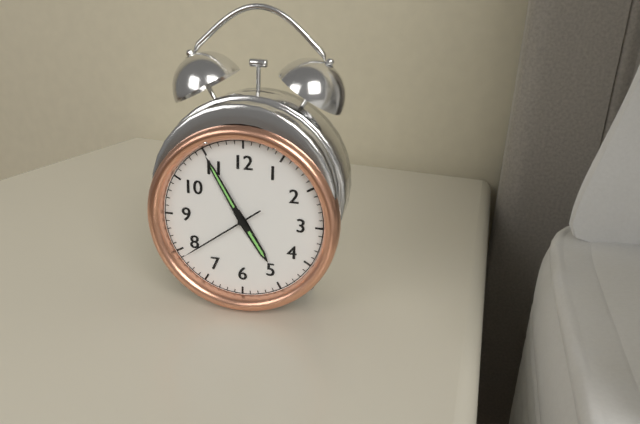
4:55:39
